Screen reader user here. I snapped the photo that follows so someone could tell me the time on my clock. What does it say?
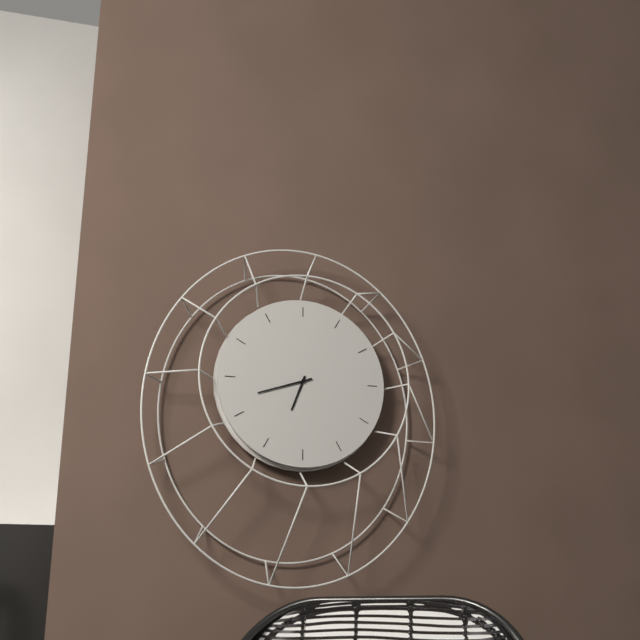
6:42
